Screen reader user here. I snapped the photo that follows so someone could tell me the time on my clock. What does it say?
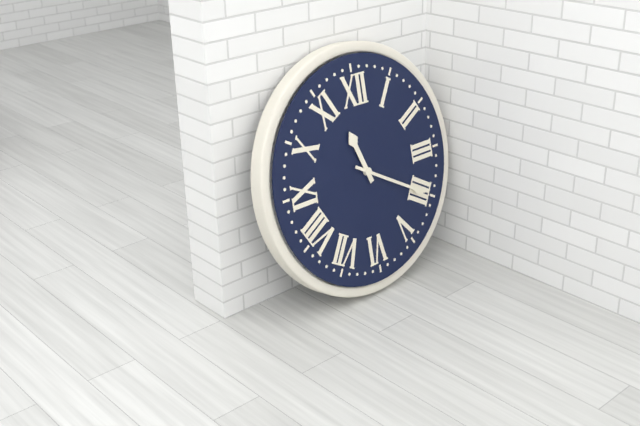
11:20
